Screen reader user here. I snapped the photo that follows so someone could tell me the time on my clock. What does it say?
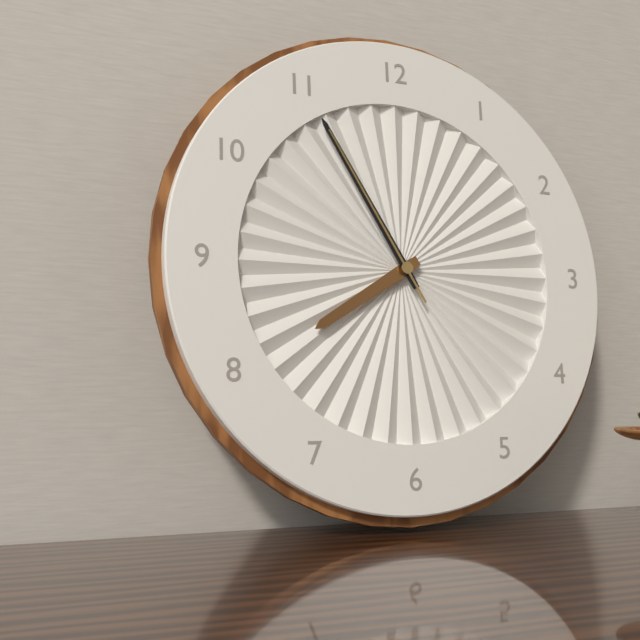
7:55:55
